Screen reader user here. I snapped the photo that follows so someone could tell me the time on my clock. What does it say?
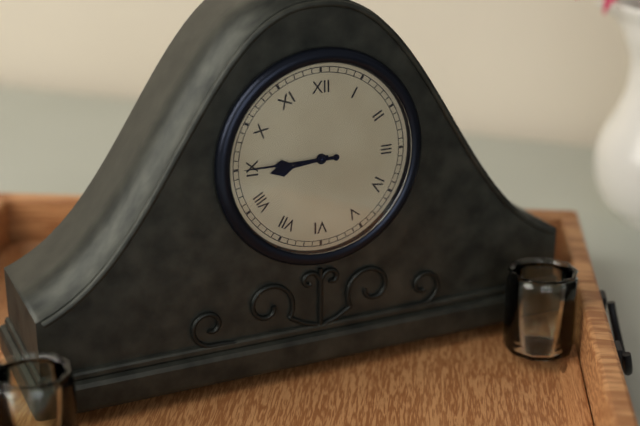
8:45
